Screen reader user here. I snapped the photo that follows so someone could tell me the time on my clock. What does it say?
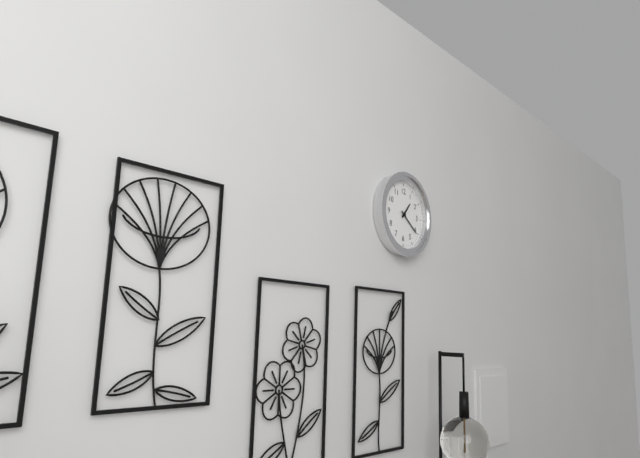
1:21
